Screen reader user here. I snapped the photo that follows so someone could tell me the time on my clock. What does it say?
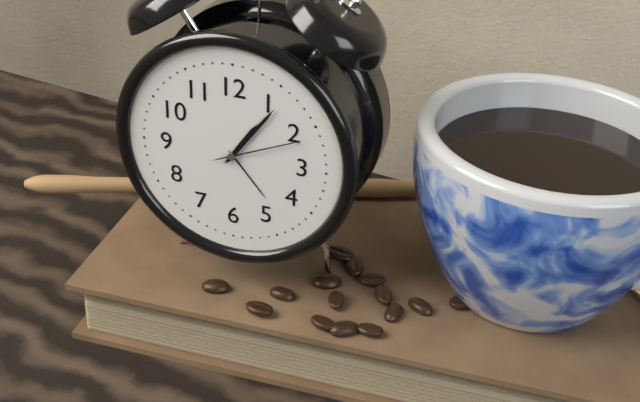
1:06:11
